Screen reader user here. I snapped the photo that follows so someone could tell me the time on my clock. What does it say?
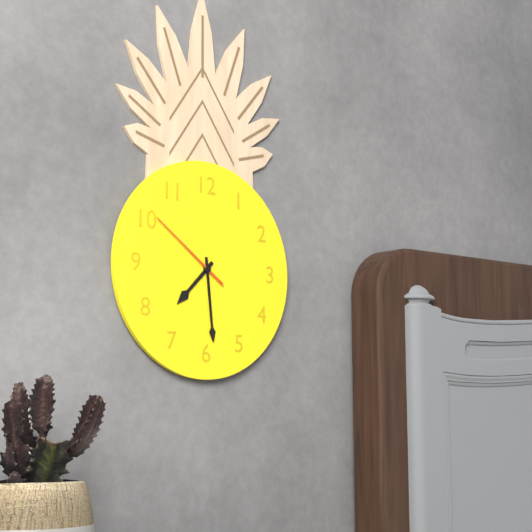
7:29:51
